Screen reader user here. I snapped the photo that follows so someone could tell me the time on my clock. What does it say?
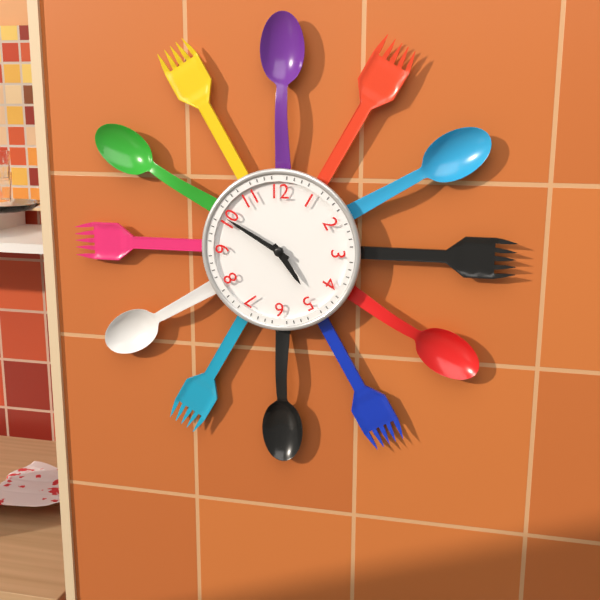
4:50
